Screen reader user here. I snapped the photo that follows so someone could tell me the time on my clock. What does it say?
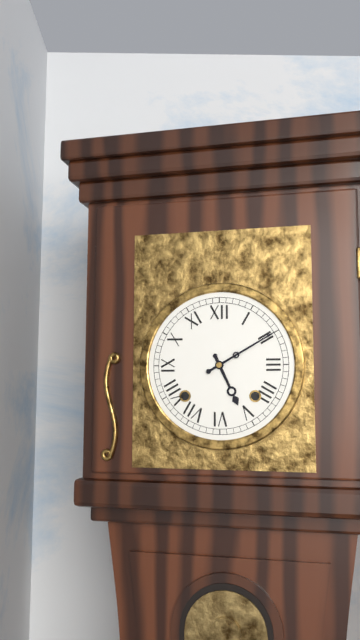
5:10
